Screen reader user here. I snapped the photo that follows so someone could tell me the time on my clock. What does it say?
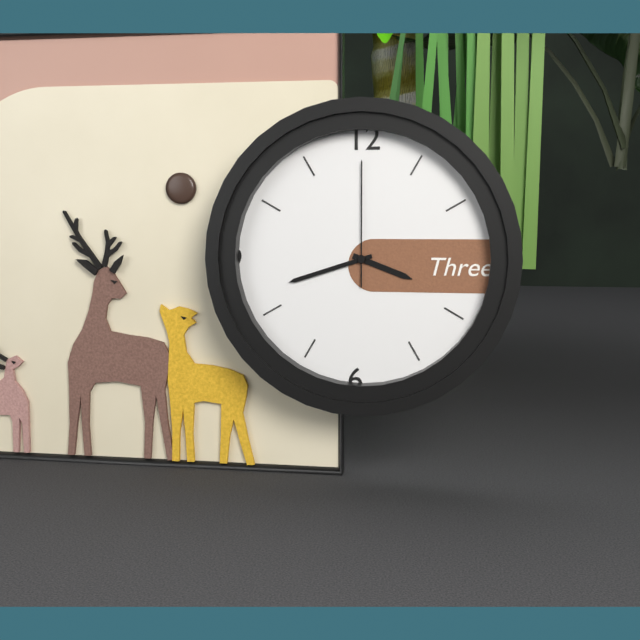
3:42:00
